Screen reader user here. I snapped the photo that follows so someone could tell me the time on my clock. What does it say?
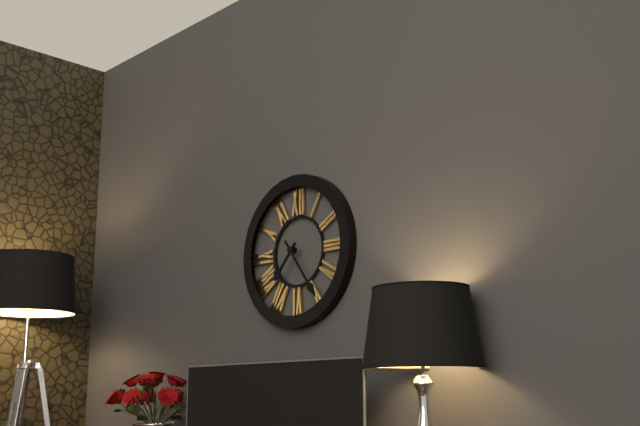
7:24
